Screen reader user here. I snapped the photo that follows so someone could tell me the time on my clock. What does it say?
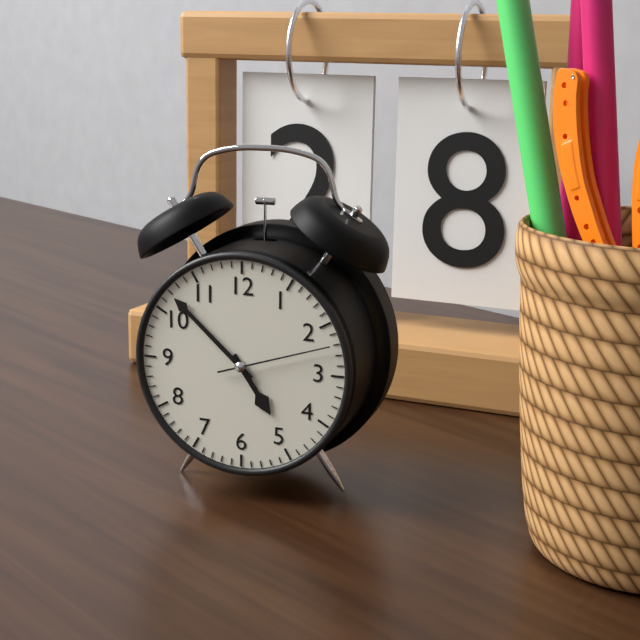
4:52:12
